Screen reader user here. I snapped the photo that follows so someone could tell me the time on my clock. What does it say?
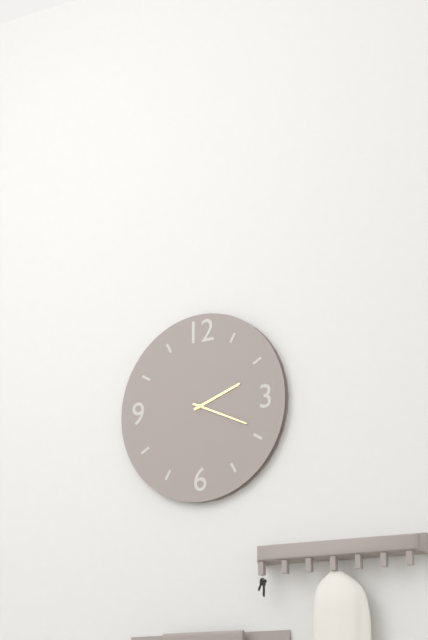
2:19
